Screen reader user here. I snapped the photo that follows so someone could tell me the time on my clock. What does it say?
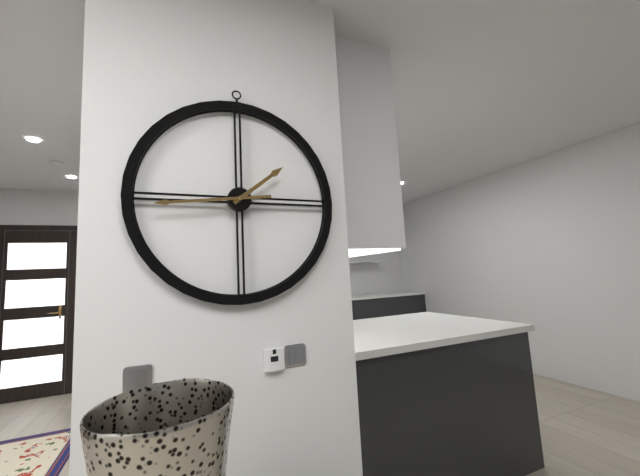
1:44
